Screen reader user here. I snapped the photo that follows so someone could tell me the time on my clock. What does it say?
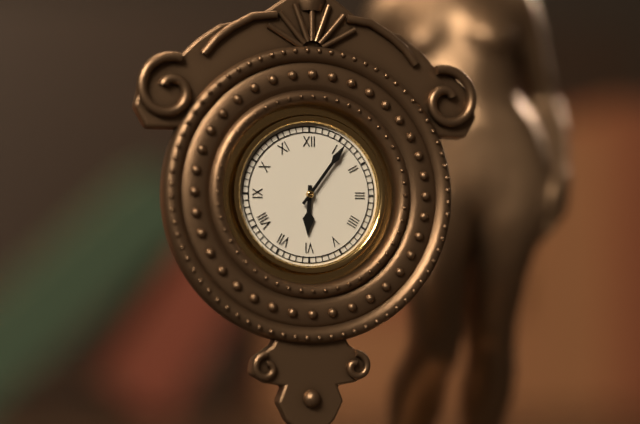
6:06
